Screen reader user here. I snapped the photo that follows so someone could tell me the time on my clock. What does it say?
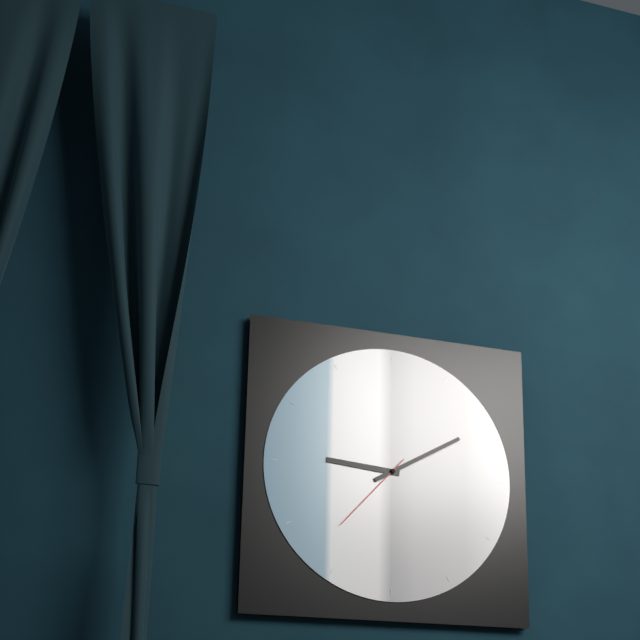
9:10:37
